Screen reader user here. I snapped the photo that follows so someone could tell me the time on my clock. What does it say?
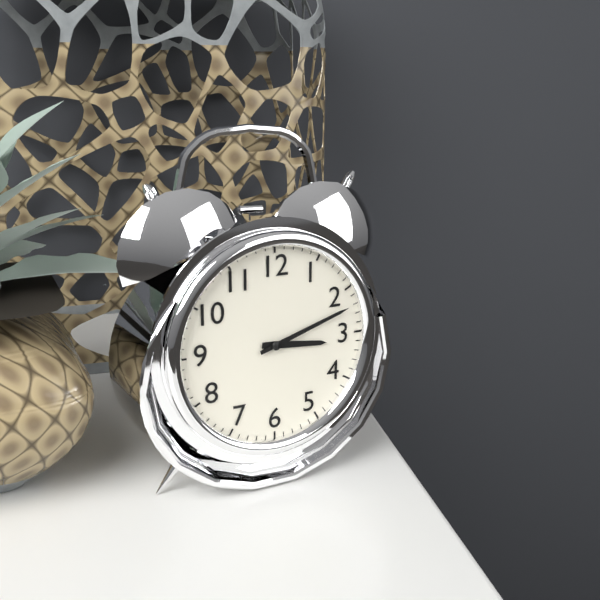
3:12
